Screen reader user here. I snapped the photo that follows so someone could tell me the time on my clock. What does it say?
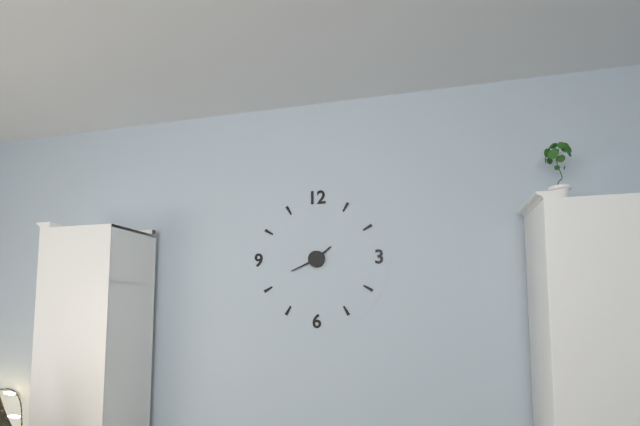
1:41
